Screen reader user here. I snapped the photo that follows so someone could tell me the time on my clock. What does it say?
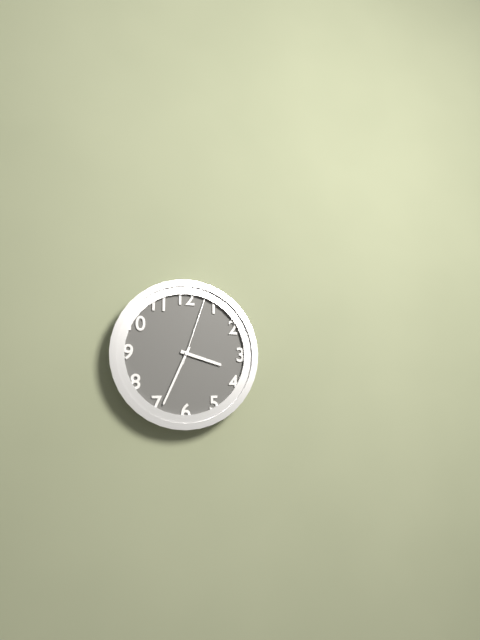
3:34:03
